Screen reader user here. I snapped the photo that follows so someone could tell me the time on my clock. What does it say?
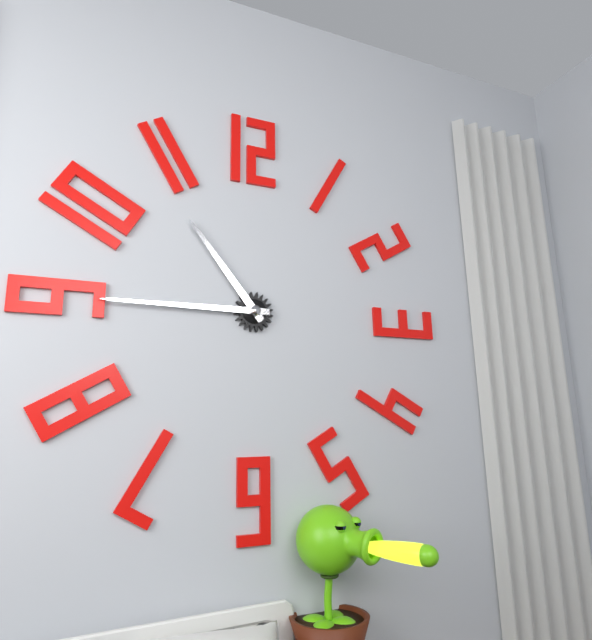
10:45
